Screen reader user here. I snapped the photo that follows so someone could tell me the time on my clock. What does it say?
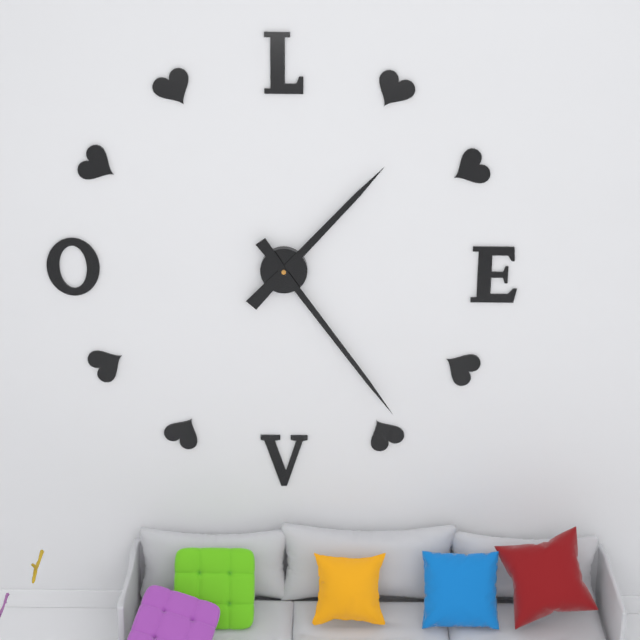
1:24
